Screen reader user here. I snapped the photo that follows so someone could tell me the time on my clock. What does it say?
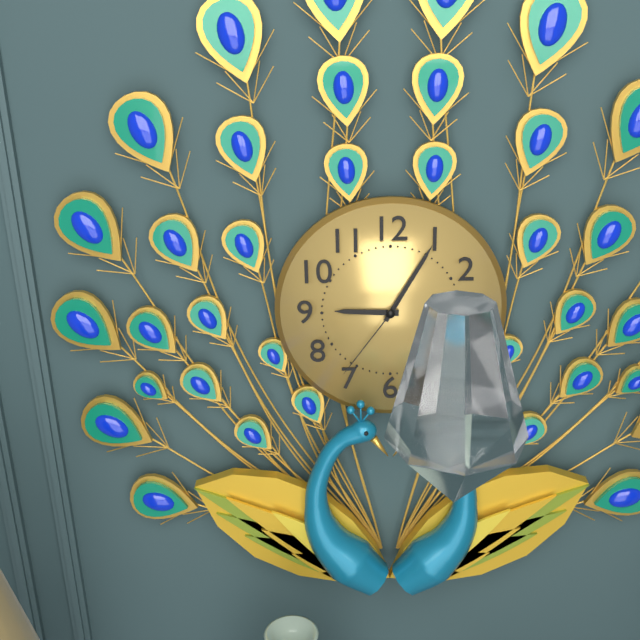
9:05:36
